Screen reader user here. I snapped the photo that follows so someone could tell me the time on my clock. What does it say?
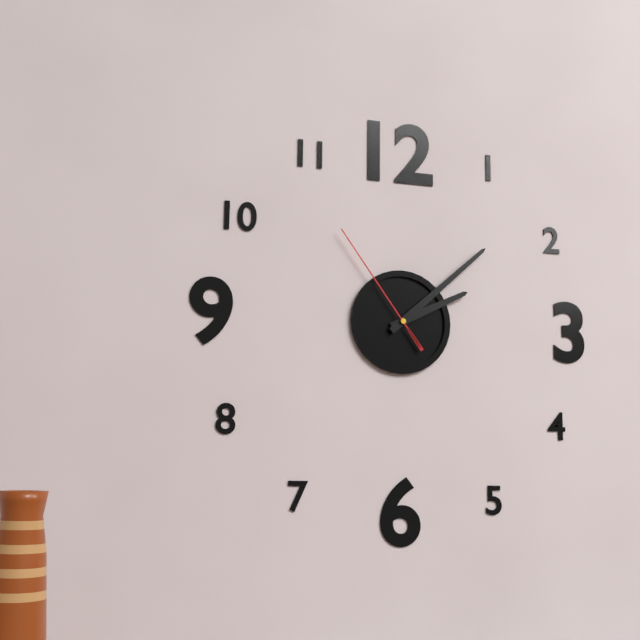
2:08:54
